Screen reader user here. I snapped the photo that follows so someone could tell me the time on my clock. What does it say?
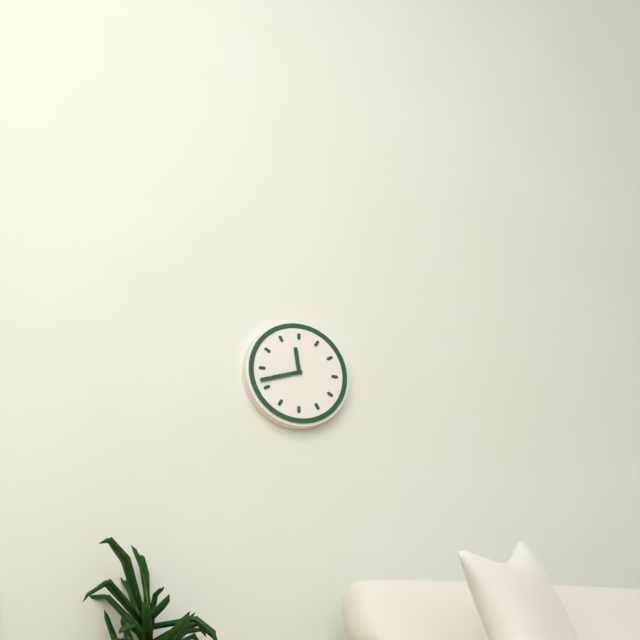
11:42
